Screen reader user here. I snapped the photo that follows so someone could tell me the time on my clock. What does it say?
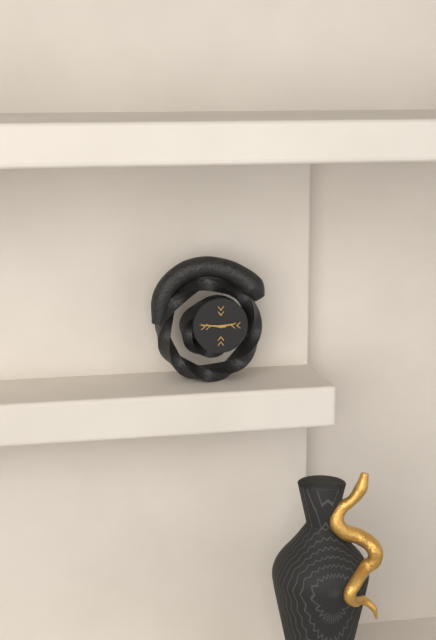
2:46
